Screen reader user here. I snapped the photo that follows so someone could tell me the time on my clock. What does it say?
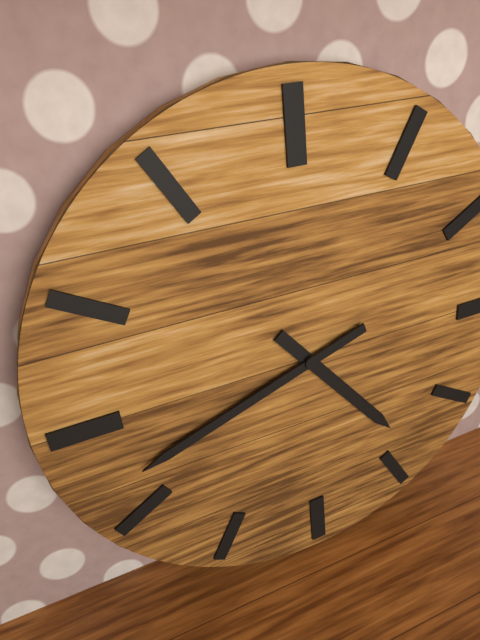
4:42
